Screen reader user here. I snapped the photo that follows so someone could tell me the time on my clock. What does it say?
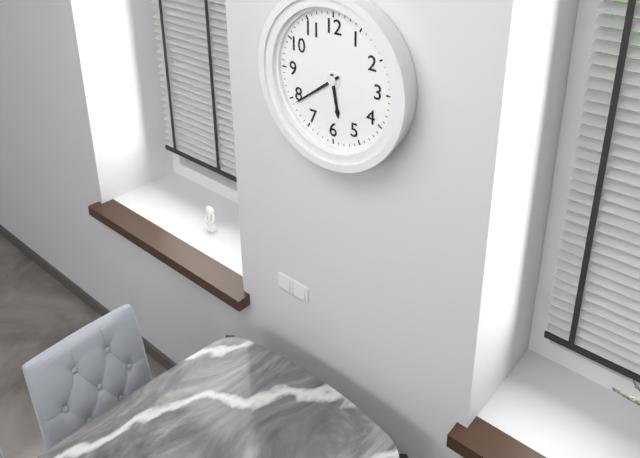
5:39
